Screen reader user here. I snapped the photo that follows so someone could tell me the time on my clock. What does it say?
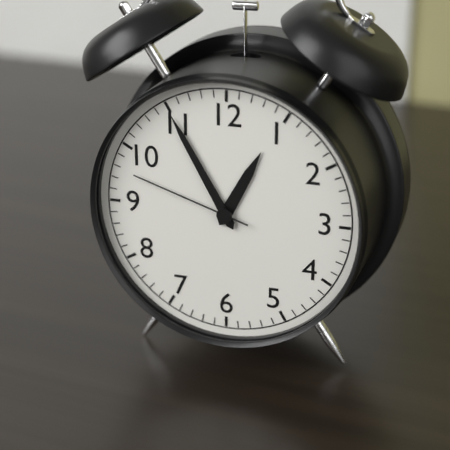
12:55:48
